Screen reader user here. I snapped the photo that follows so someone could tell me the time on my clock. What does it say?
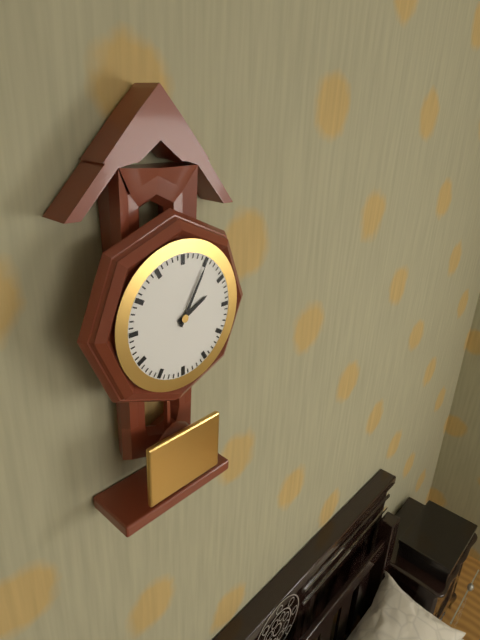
2:05
